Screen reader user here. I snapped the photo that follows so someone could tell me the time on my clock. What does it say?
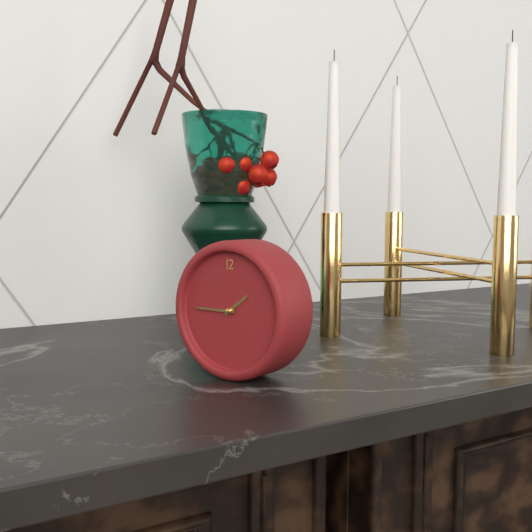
1:45
